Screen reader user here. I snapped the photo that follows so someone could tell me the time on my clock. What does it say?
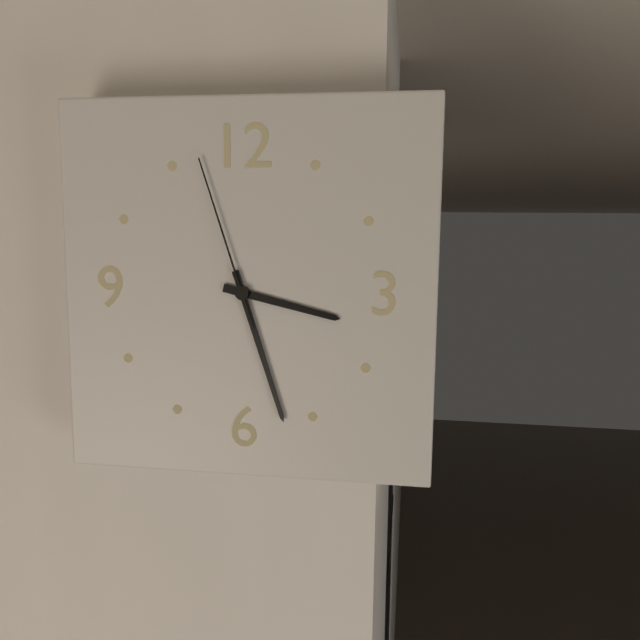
3:27:57
